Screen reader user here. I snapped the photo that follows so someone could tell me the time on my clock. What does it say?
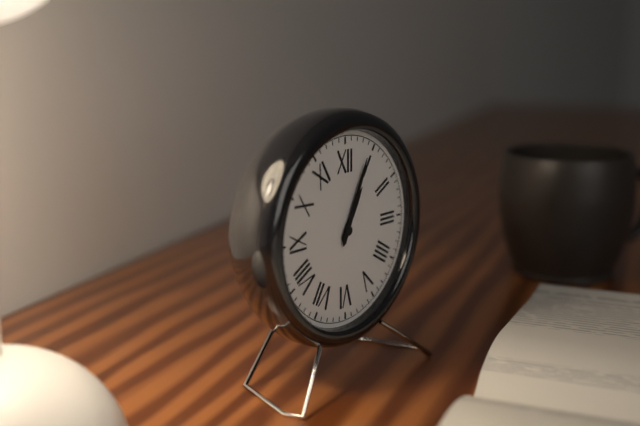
1:04
